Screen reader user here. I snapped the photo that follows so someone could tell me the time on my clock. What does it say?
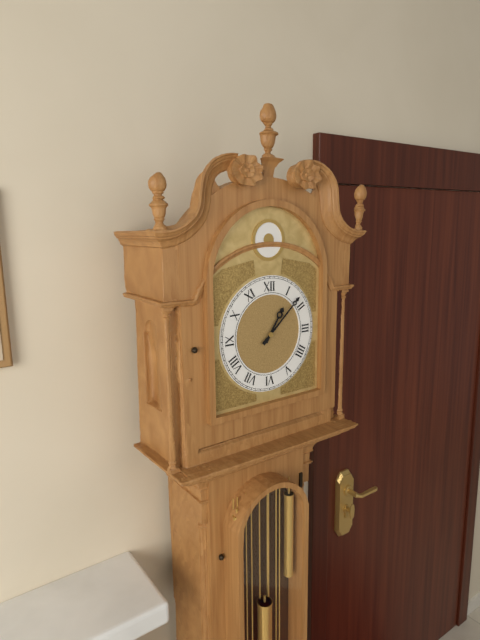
1:08
